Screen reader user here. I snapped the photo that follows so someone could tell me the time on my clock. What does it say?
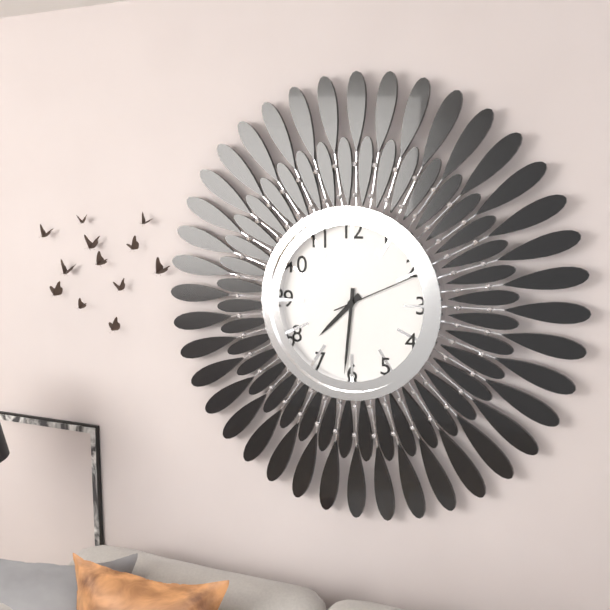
7:31:11
